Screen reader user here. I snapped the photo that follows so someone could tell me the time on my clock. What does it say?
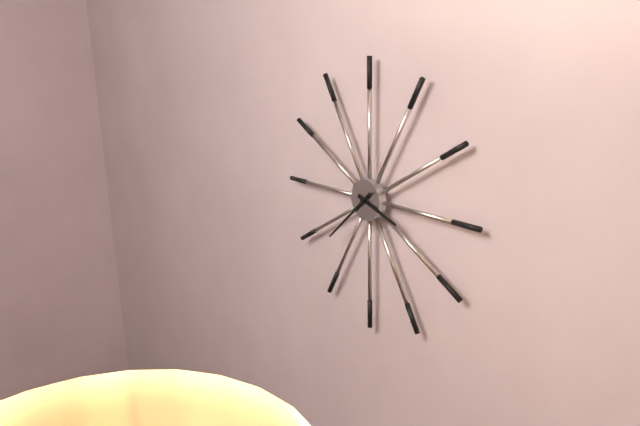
3:38
